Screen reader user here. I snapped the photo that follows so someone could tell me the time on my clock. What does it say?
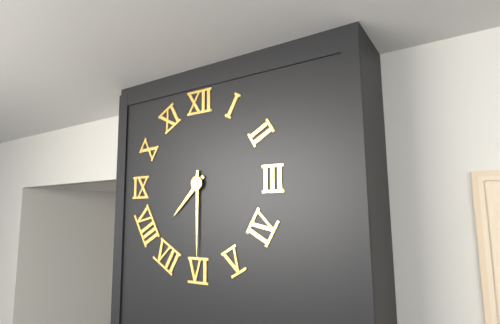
7:30
